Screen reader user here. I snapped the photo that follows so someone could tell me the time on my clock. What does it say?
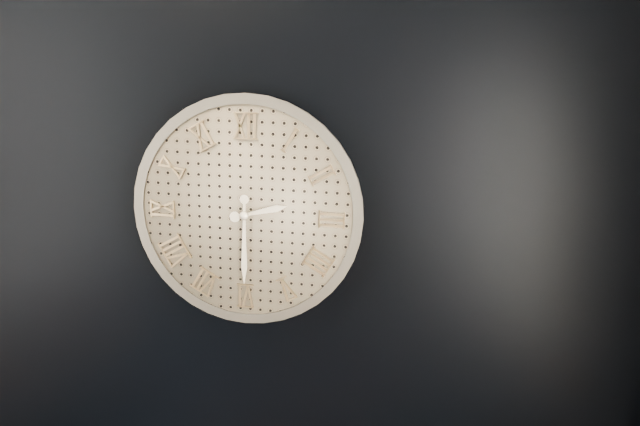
2:30
